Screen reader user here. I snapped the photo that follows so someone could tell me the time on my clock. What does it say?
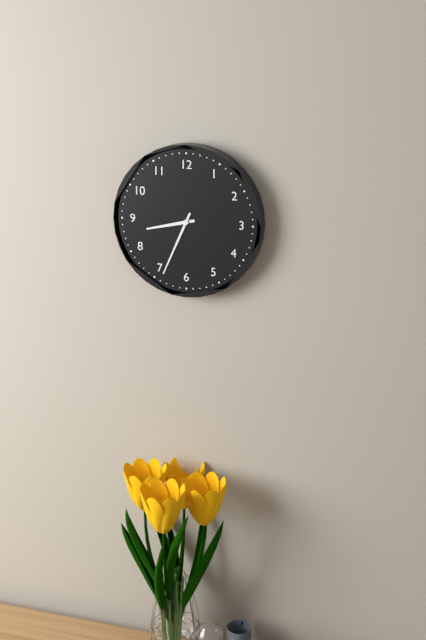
8:34
